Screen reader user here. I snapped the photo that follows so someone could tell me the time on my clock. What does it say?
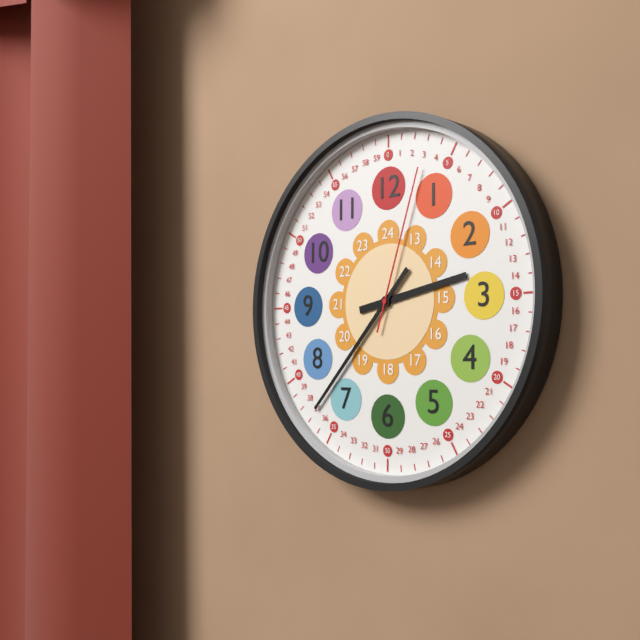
2:37:03
